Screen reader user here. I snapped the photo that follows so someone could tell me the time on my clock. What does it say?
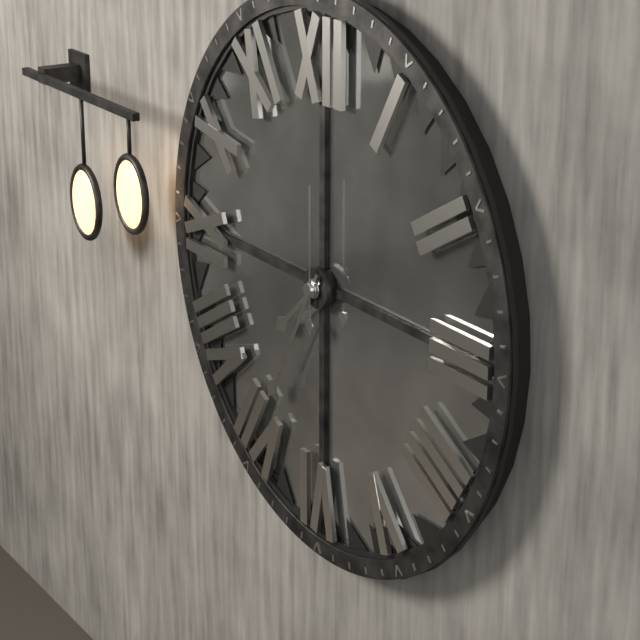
7:35:00
